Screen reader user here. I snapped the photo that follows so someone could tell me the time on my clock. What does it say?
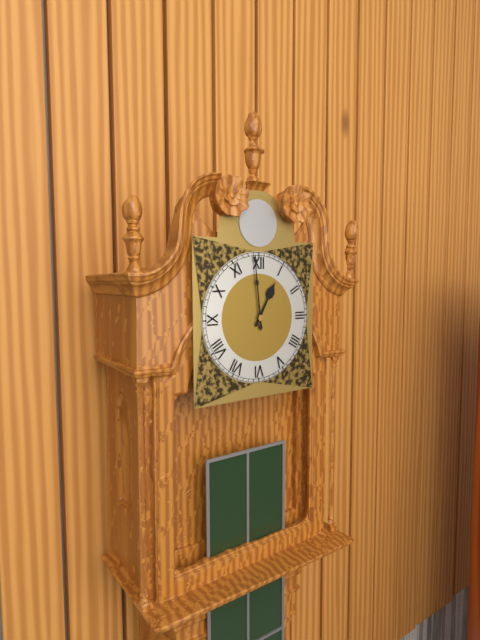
12:59
